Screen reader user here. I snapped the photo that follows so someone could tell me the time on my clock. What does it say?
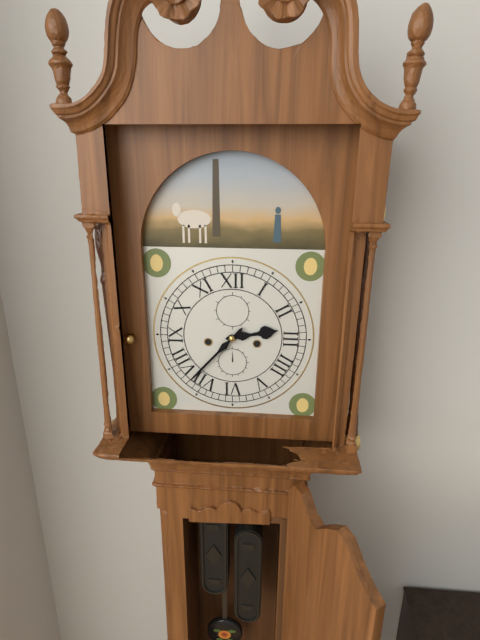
2:37
